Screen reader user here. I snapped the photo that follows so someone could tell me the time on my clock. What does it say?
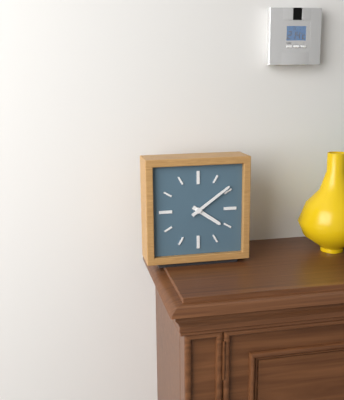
4:09
